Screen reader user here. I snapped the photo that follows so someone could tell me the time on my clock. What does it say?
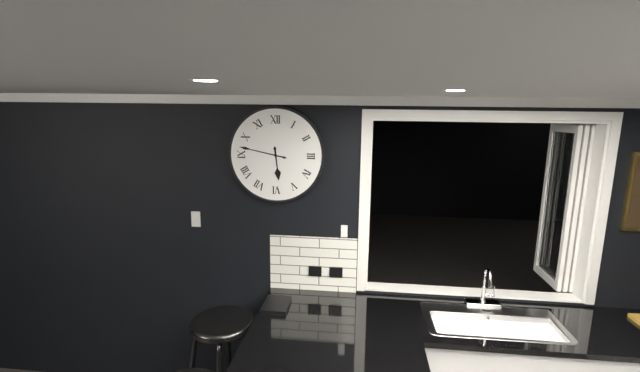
5:47
